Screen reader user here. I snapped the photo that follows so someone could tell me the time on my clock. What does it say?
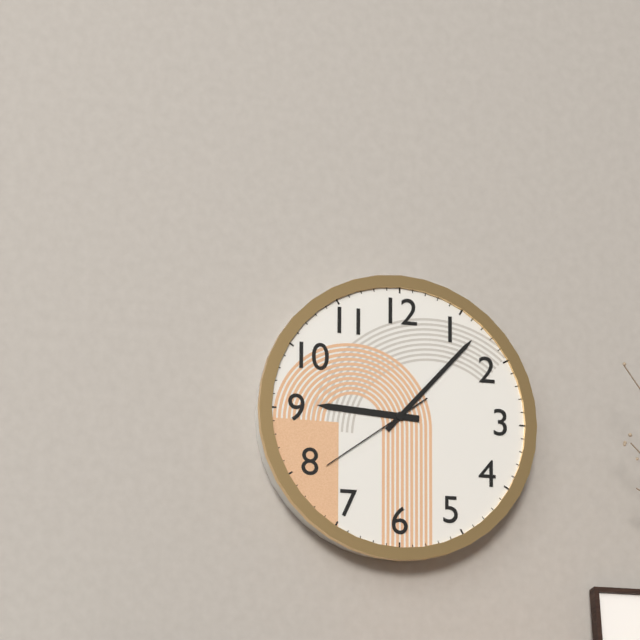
9:07:39
